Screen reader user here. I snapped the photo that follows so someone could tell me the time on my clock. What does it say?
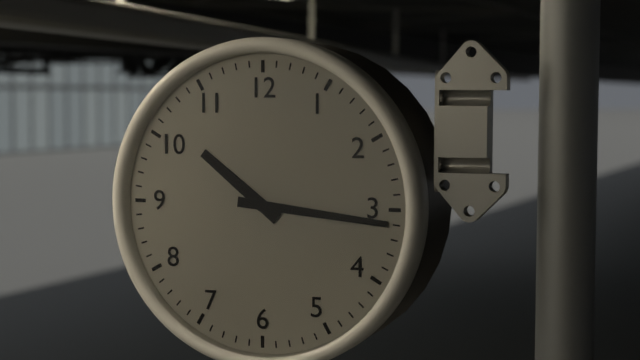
10:16
